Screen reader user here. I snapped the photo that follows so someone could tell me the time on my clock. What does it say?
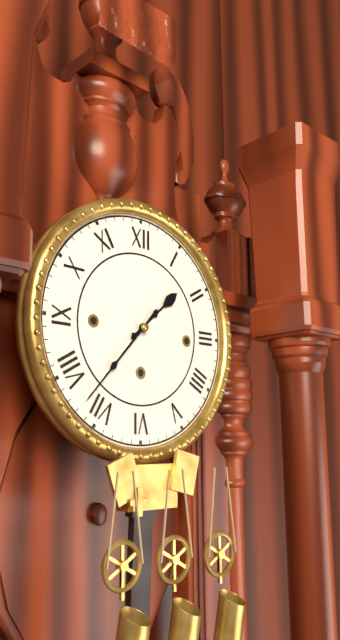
1:37
